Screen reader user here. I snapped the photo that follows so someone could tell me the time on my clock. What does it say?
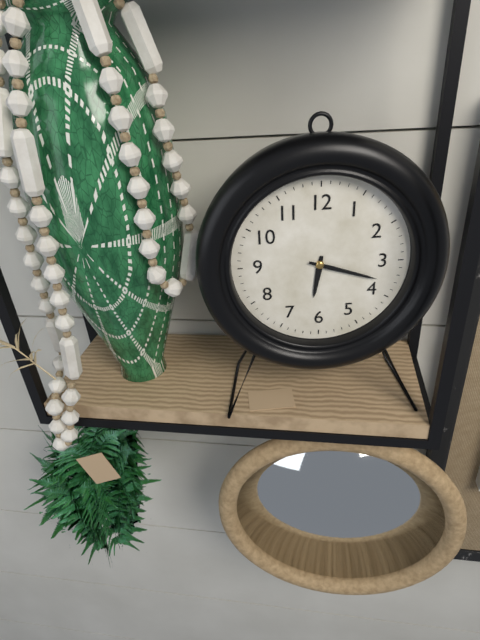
6:18
